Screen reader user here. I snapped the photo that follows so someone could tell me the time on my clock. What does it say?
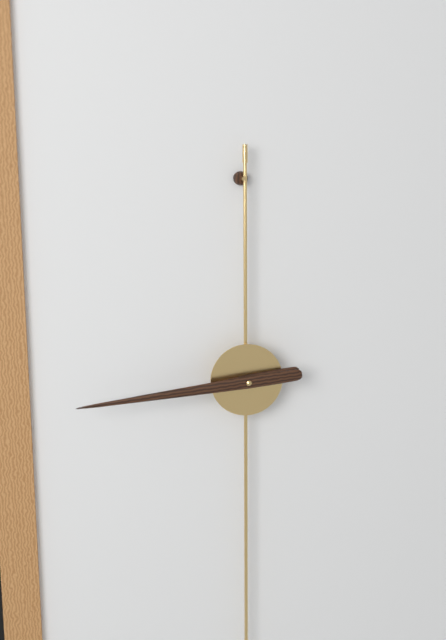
8:44
